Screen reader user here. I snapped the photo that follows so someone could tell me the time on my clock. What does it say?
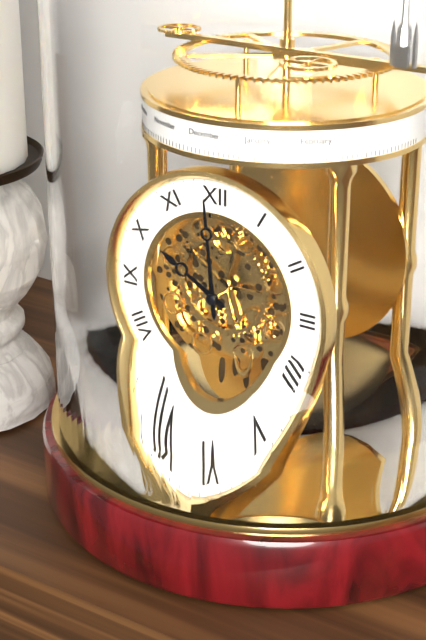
9:59
